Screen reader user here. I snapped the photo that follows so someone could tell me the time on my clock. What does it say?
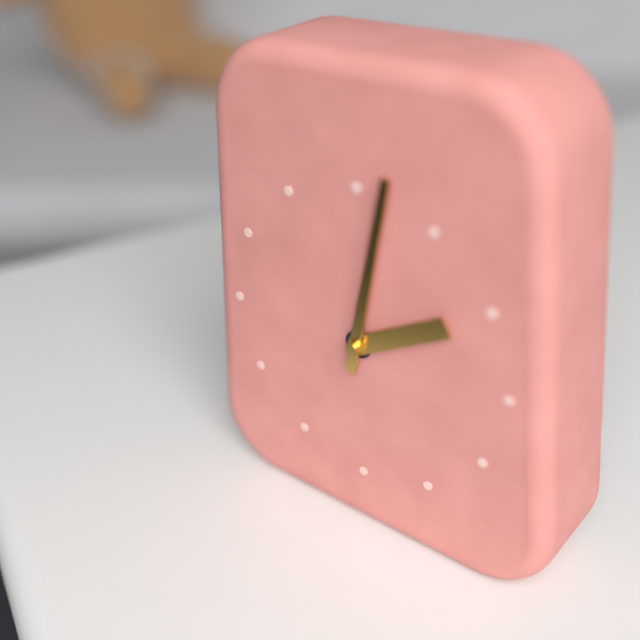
2:02
